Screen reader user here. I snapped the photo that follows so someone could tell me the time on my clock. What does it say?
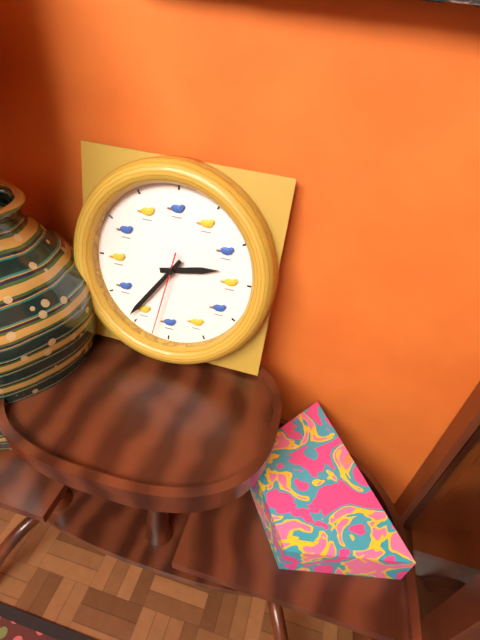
2:36:32
